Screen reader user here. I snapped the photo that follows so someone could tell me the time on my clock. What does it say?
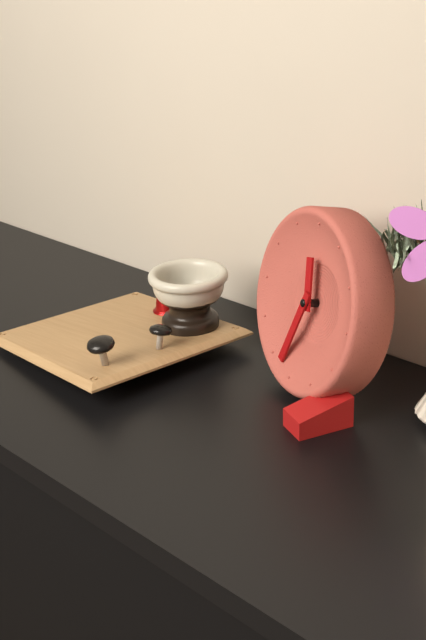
11:33
